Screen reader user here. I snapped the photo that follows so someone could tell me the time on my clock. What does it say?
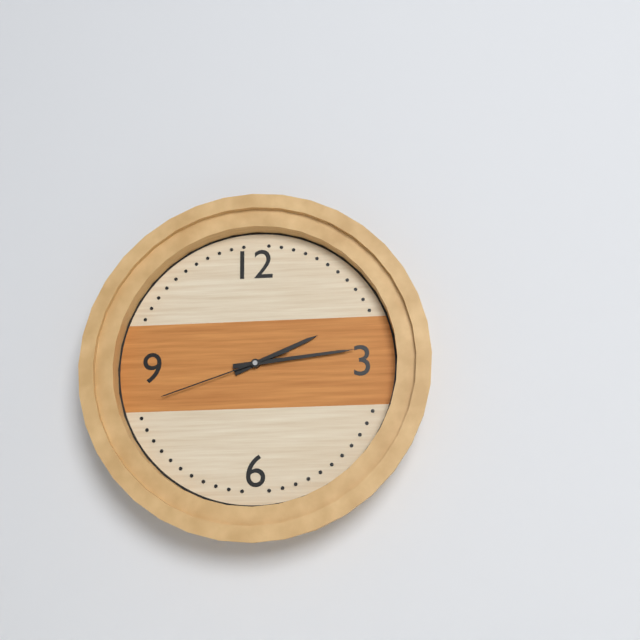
2:14:42
